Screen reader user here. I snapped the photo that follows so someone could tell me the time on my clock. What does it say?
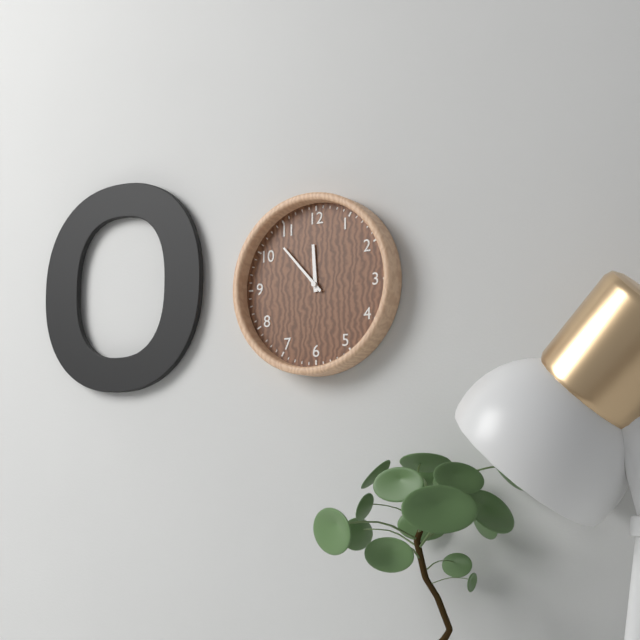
11:53
